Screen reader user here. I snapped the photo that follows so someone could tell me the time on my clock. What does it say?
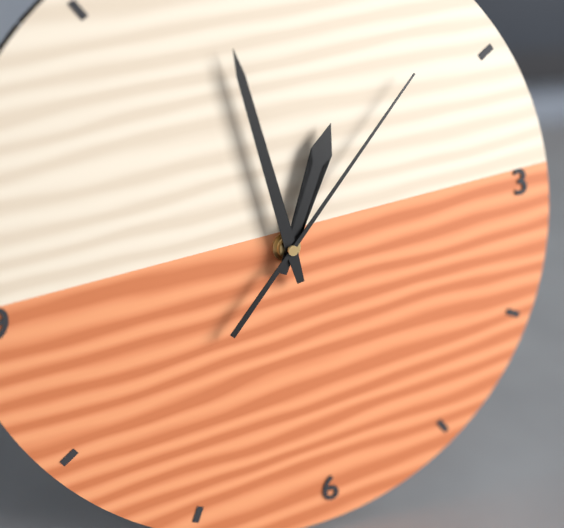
12:59:08
